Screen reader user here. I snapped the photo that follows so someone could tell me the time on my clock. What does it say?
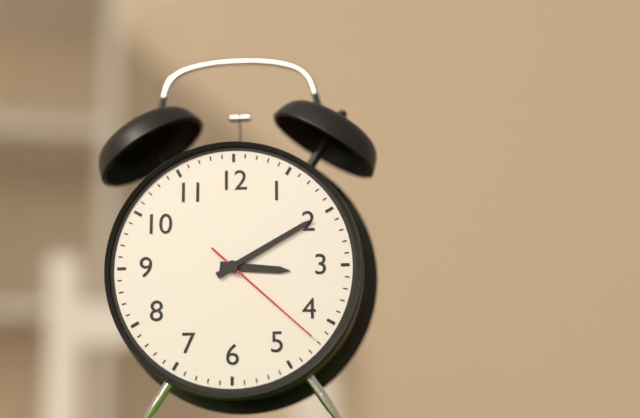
3:10:22
